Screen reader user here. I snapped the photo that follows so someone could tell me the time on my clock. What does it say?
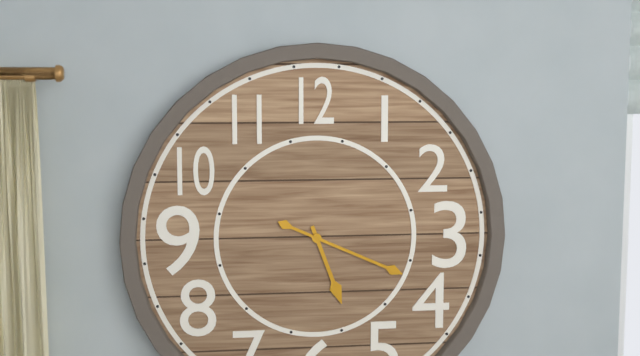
5:19
